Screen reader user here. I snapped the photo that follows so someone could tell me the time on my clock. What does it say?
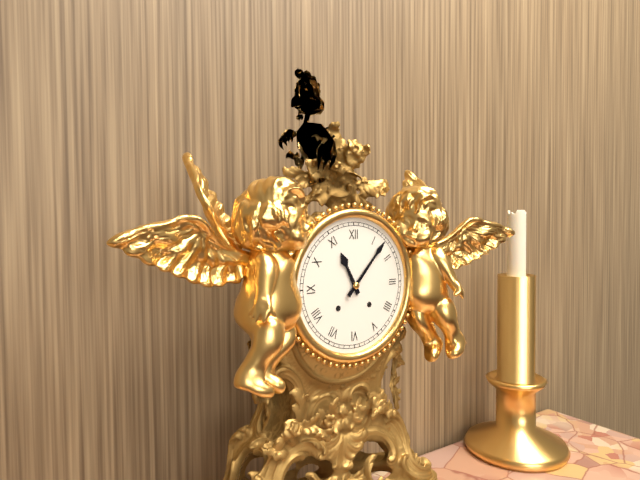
11:07
